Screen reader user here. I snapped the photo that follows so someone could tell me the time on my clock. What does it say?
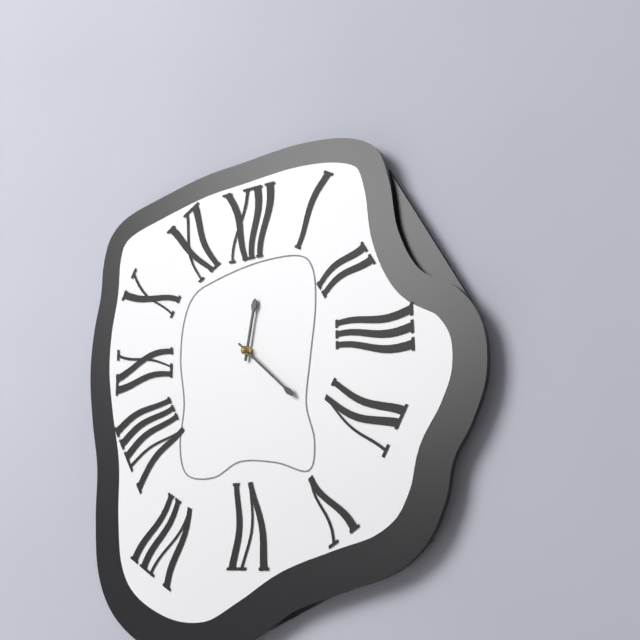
12:22
